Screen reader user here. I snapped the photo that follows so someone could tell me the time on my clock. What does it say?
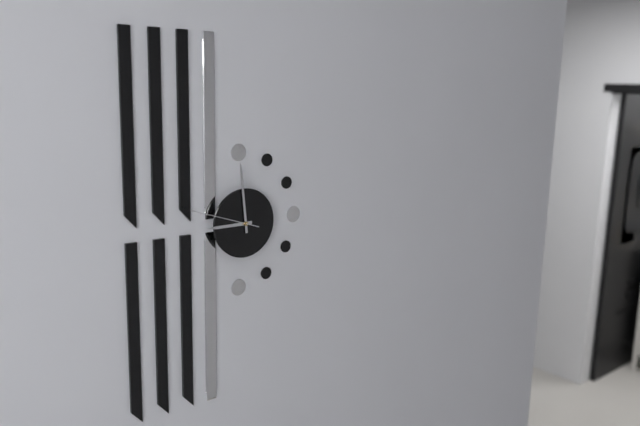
8:59:48
